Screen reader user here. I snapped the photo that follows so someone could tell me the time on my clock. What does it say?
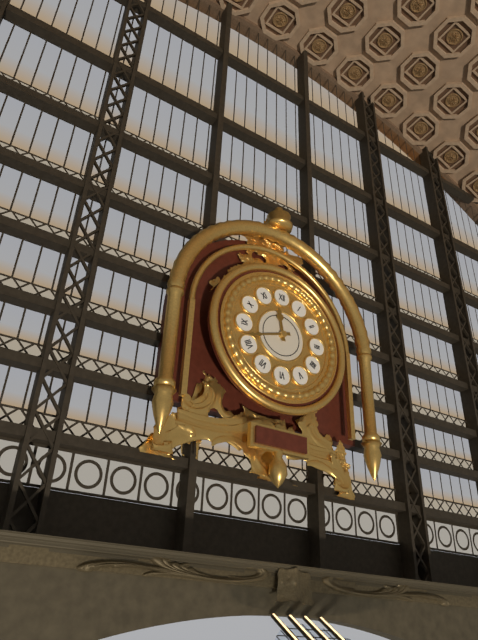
11:42
